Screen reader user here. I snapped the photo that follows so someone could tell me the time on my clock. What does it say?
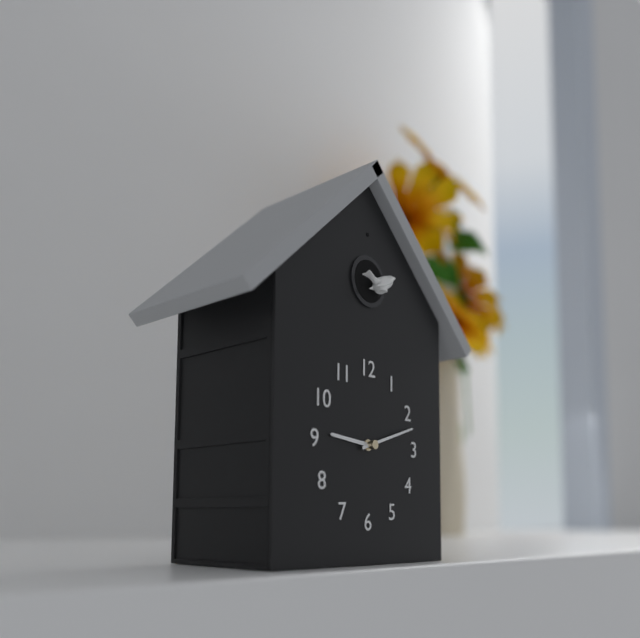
9:12
